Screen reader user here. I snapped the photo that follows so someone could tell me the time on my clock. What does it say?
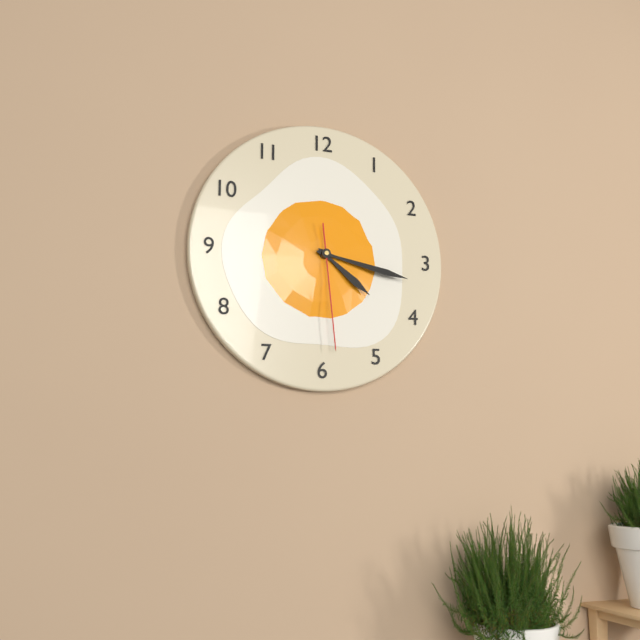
4:17:29
